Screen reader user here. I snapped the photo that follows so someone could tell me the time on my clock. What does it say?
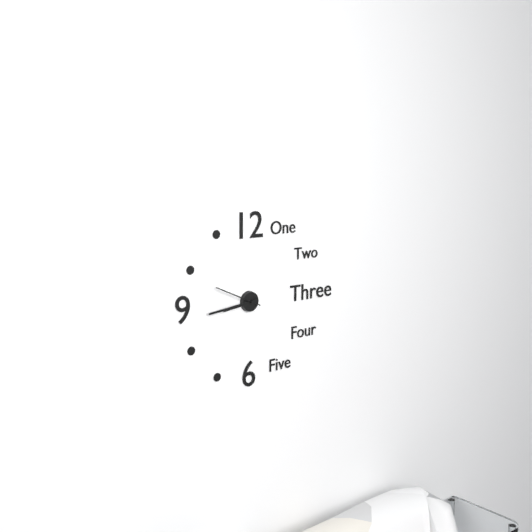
8:44
